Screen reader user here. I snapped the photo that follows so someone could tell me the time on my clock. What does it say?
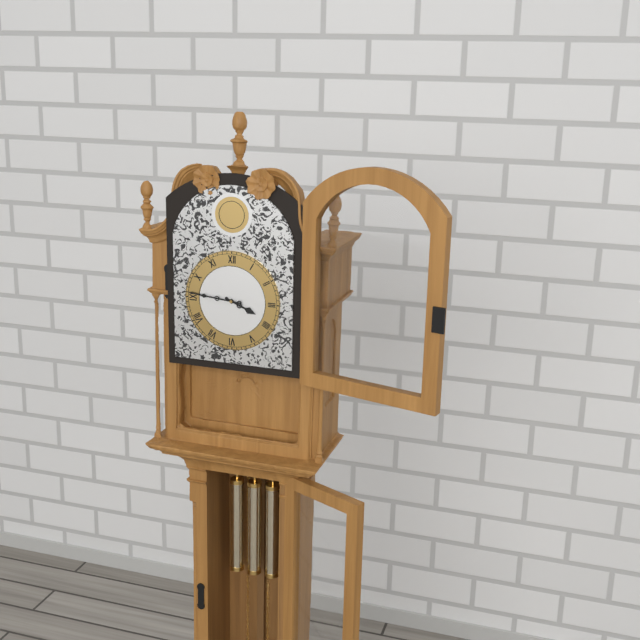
3:46
